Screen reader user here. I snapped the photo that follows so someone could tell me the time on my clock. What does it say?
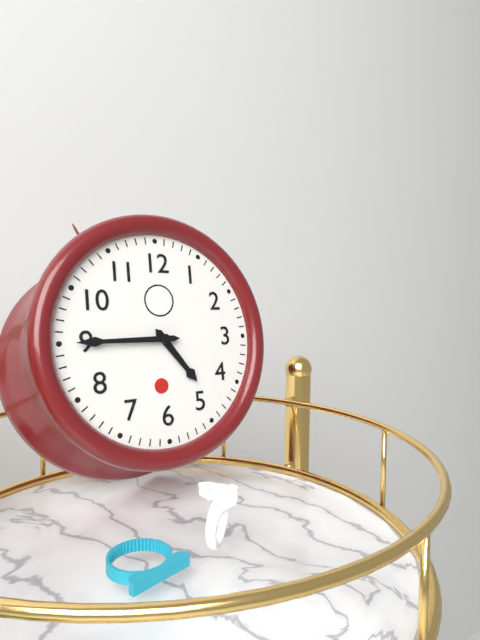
4:45
